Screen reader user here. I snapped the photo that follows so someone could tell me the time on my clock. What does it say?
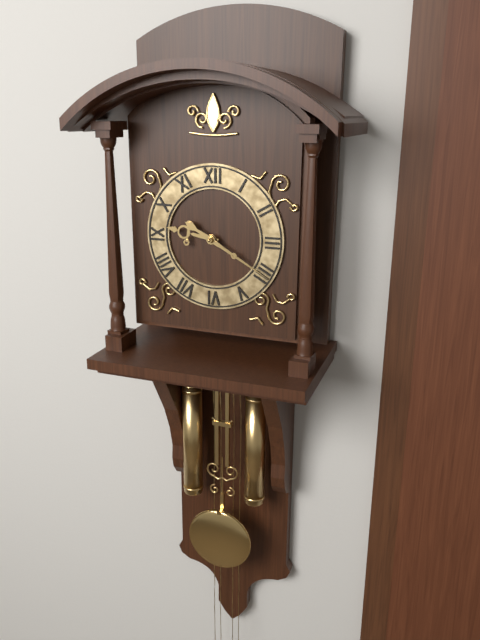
9:20
